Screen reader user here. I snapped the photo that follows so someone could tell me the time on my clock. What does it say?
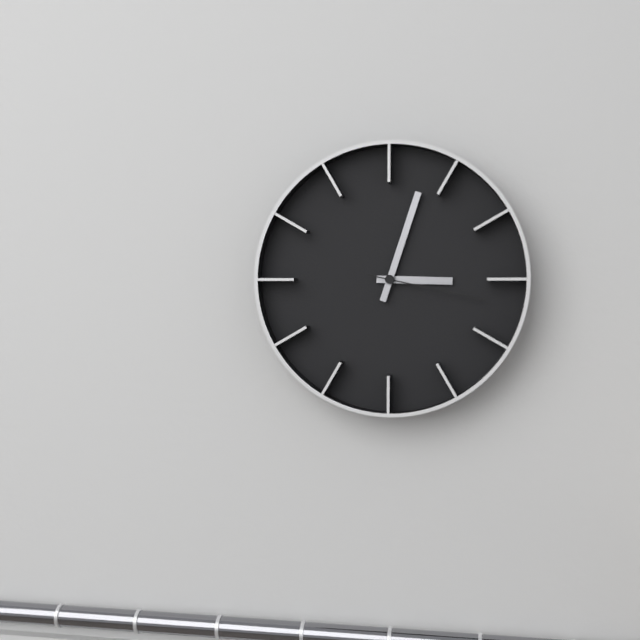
3:03:17
